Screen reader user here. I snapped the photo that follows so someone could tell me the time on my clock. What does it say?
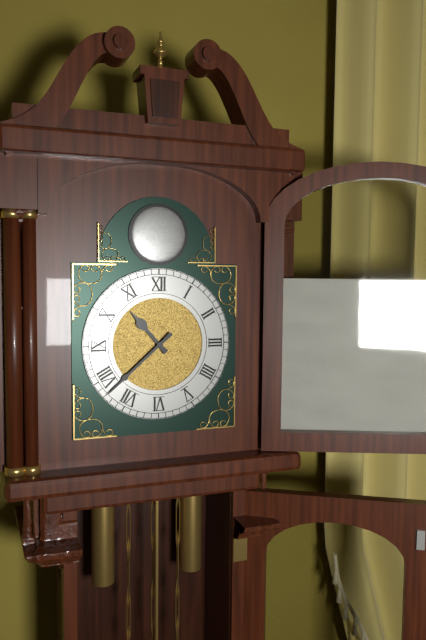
10:38
